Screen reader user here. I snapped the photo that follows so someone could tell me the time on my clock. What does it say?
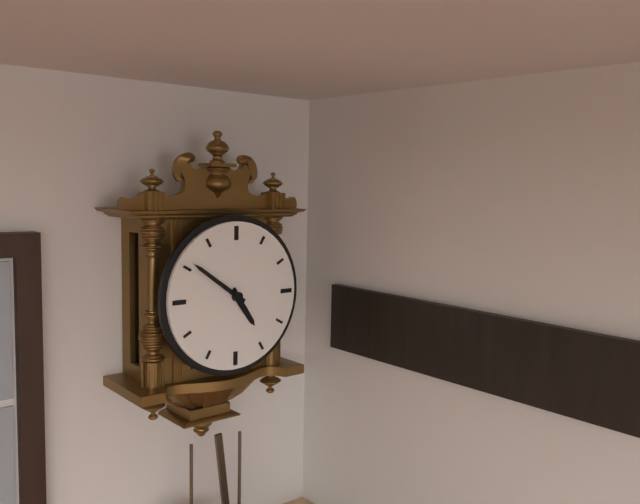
4:51
